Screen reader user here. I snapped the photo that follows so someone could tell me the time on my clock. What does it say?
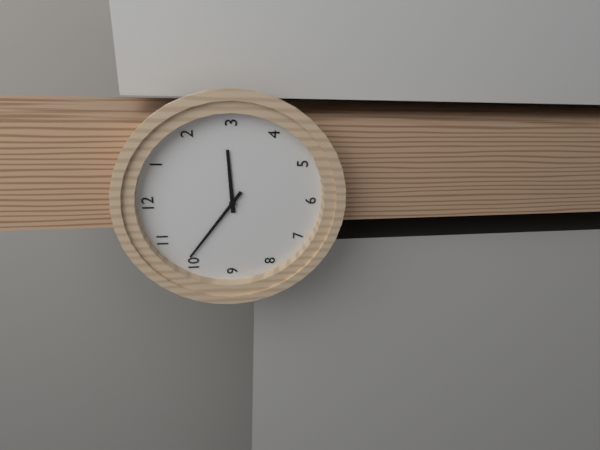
2:51
